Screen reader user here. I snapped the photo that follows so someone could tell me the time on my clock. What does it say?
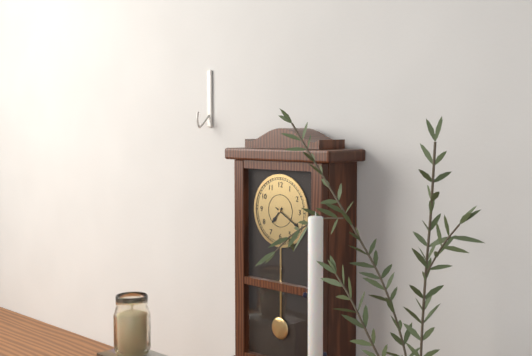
7:20
